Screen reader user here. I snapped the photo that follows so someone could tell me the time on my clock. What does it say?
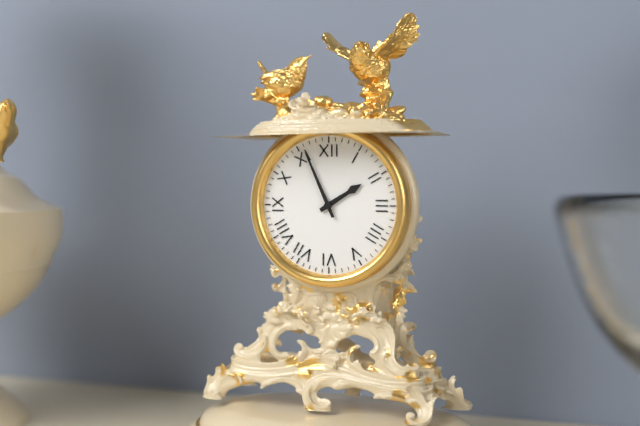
1:56
